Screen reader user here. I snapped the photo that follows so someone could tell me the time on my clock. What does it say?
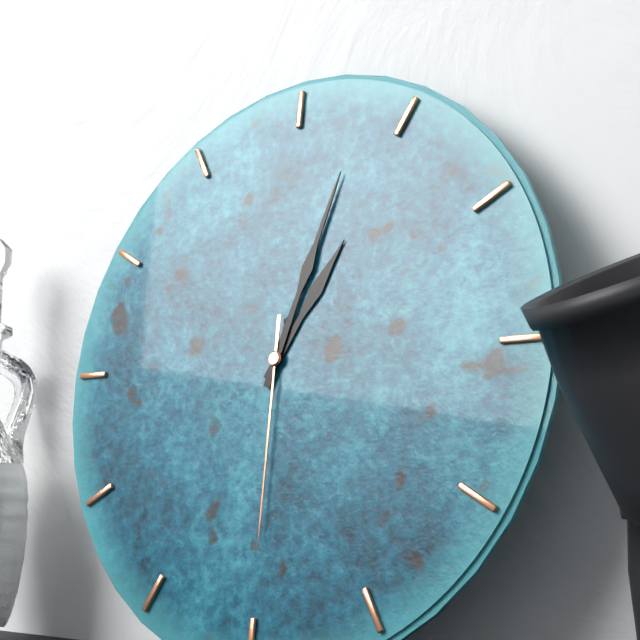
1:03:30
